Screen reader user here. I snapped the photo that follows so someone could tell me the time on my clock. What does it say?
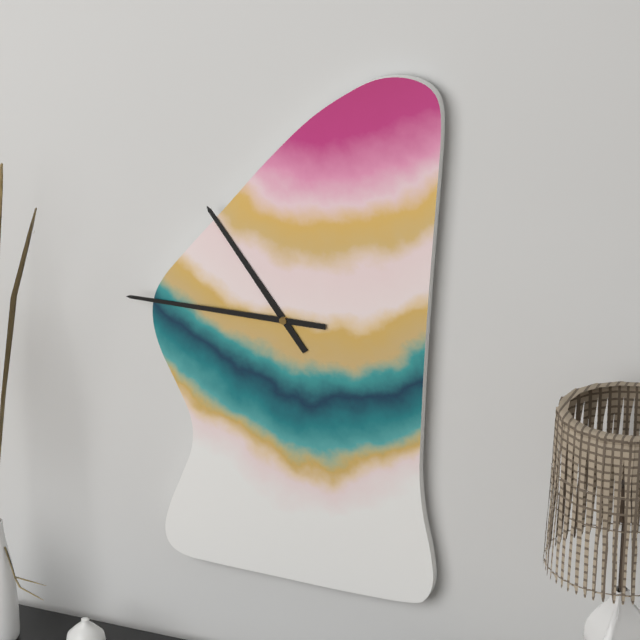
10:45
